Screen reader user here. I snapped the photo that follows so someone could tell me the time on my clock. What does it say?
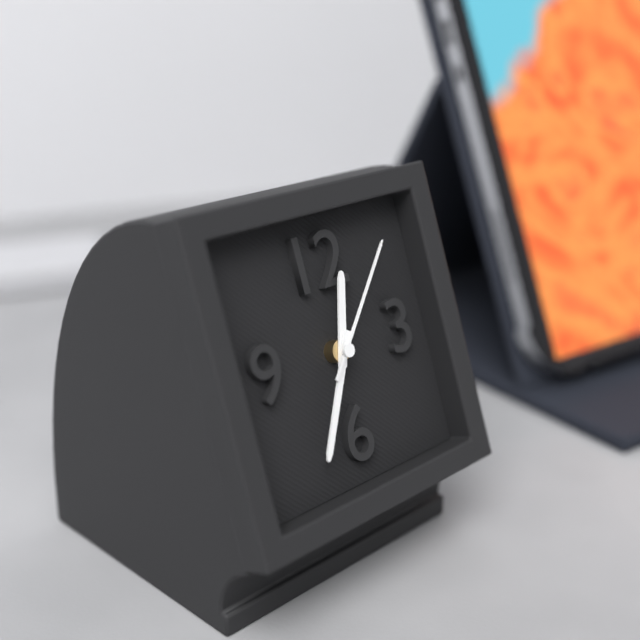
12:35:07
